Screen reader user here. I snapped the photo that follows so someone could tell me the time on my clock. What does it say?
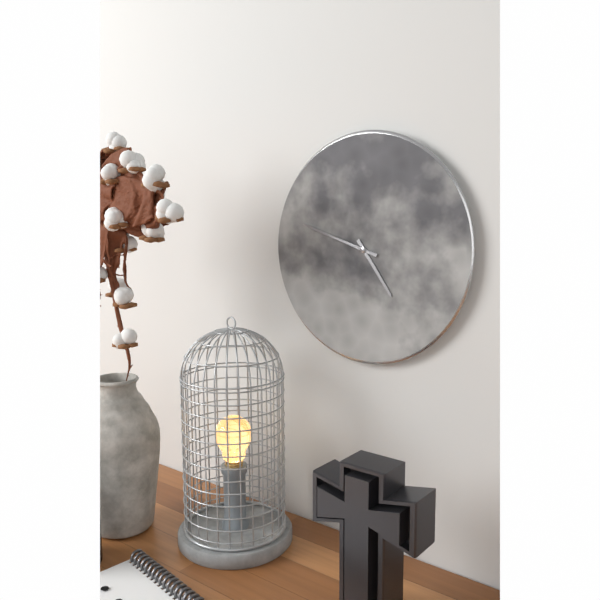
4:48
